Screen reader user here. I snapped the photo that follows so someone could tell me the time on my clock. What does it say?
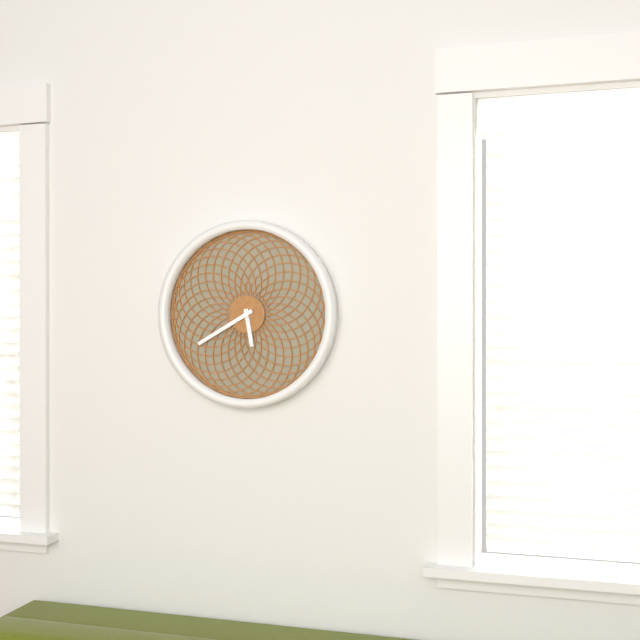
5:40
